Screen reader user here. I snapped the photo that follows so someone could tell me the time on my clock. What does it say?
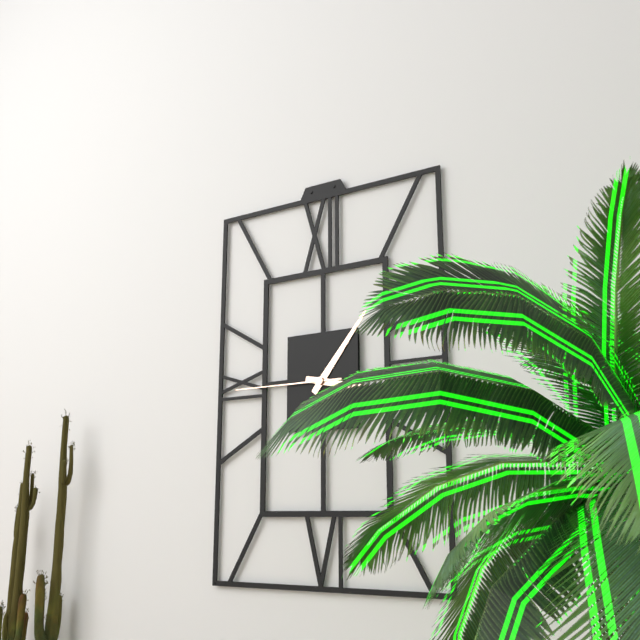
1:17:45
